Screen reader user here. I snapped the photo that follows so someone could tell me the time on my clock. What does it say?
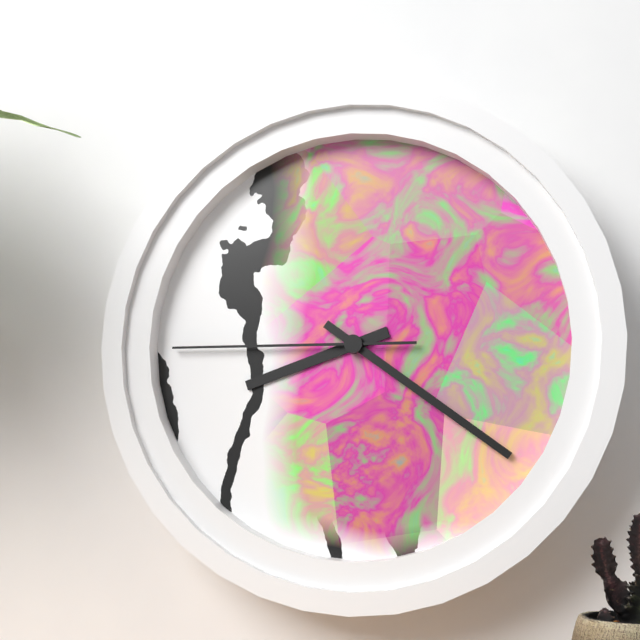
8:21:45
